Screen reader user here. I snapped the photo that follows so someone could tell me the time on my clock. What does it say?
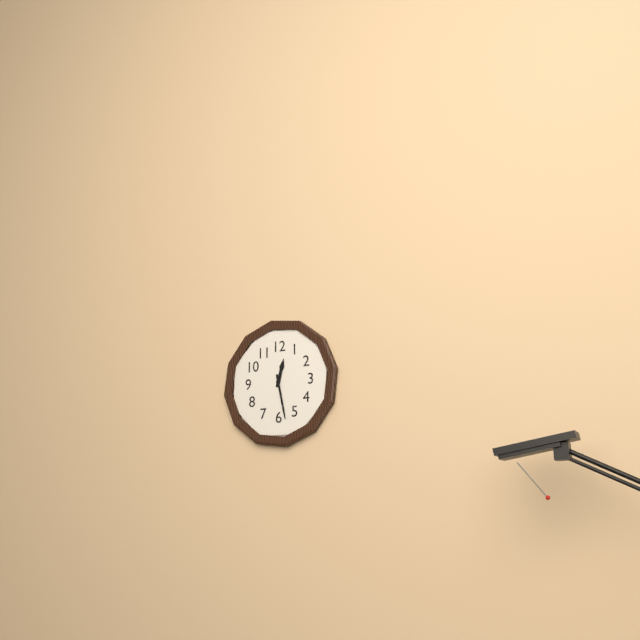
12:28
